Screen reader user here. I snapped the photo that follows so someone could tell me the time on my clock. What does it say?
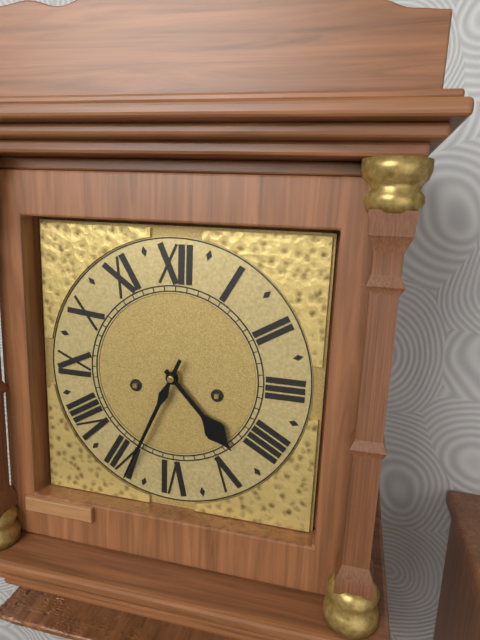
4:34
